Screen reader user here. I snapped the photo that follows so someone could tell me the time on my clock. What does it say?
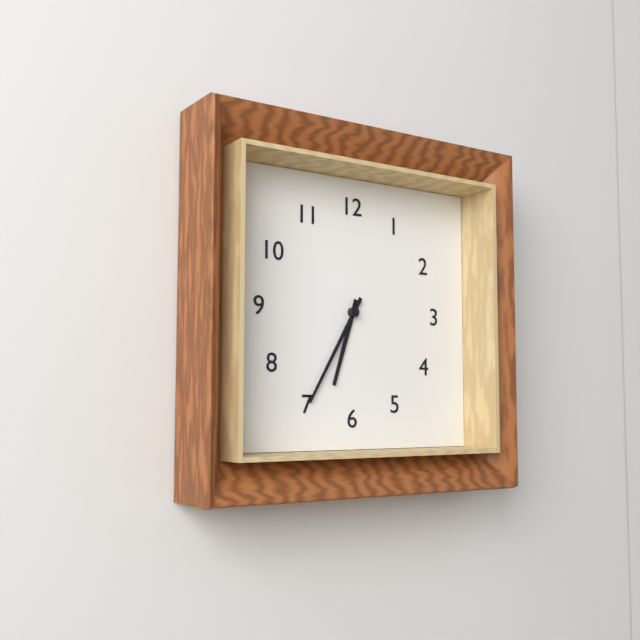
6:35
